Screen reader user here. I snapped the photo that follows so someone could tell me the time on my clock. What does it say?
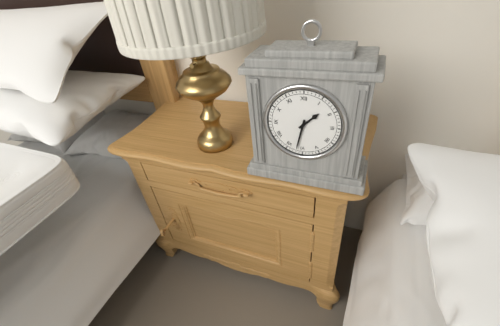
1:32
